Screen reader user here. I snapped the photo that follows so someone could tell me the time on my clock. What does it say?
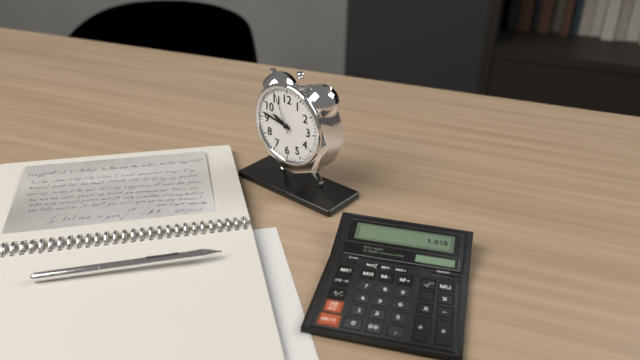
9:47
